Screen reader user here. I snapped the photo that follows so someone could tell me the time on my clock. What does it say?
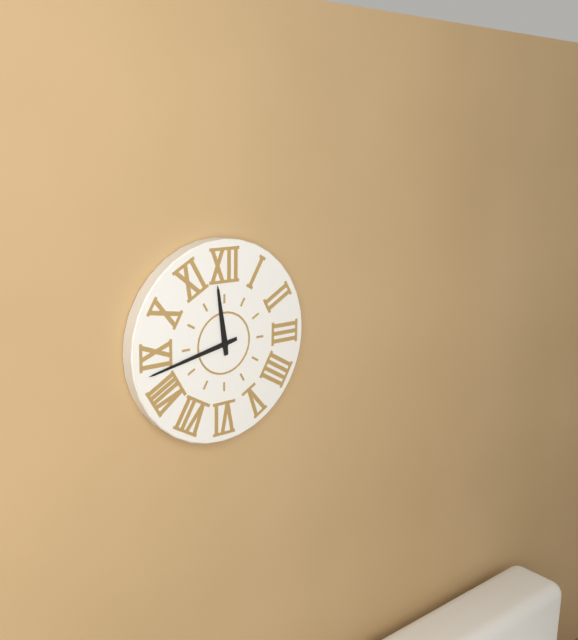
11:43
